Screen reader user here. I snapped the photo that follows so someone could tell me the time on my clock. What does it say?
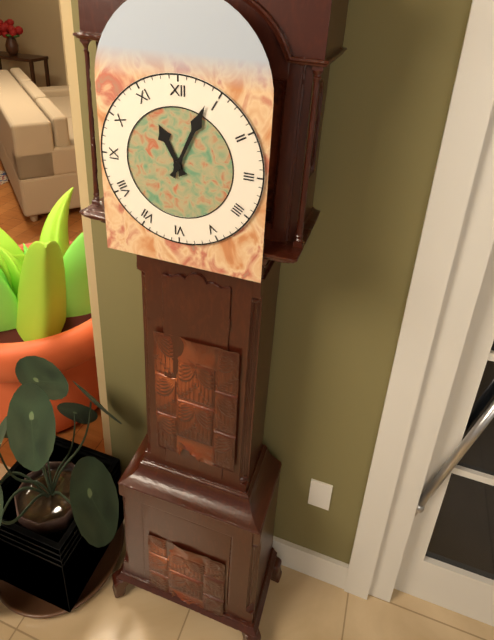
11:04
